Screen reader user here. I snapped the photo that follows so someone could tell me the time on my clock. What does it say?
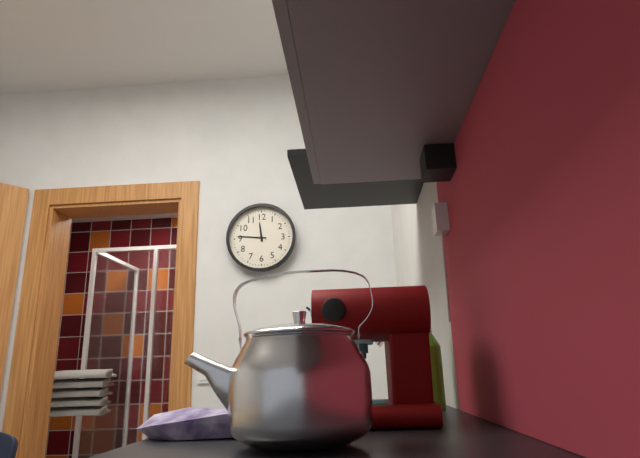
11:46
